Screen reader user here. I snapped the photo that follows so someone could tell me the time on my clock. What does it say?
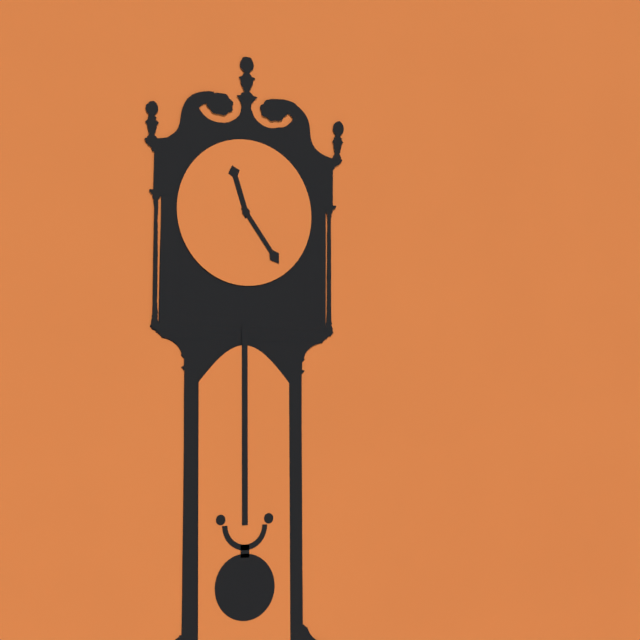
11:24
